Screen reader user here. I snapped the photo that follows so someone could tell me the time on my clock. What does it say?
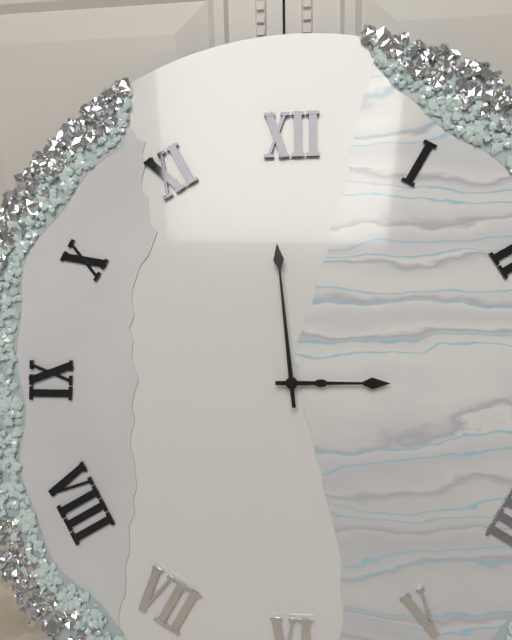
2:59
